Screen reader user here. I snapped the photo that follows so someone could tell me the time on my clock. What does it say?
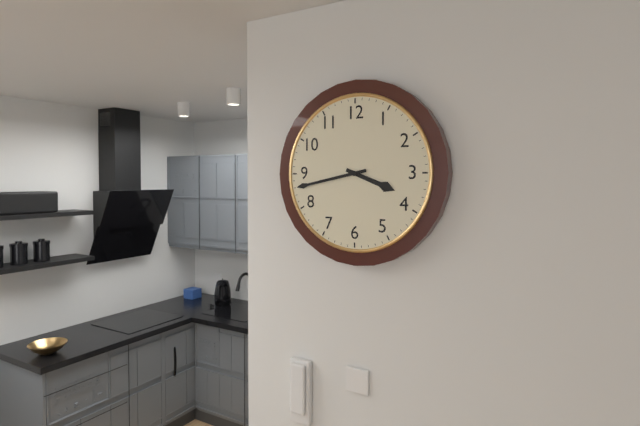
3:43
